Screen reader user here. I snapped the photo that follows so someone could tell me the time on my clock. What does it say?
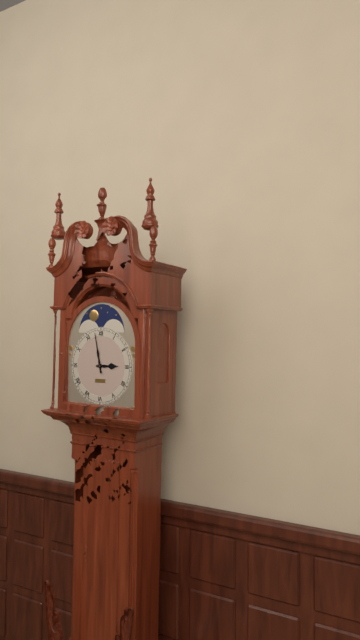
2:58
